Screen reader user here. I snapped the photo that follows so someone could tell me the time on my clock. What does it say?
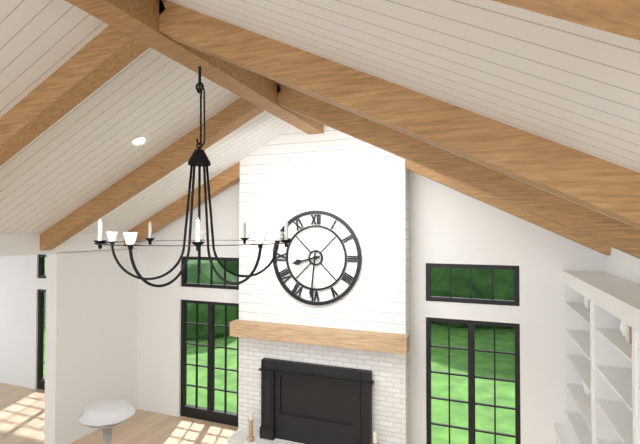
8:31
